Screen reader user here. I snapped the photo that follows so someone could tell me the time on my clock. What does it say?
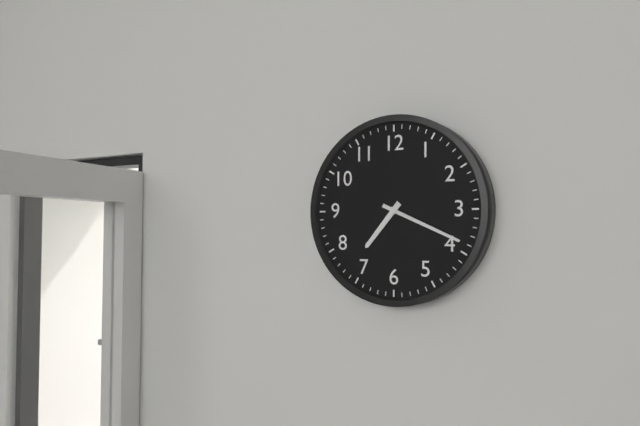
7:19
